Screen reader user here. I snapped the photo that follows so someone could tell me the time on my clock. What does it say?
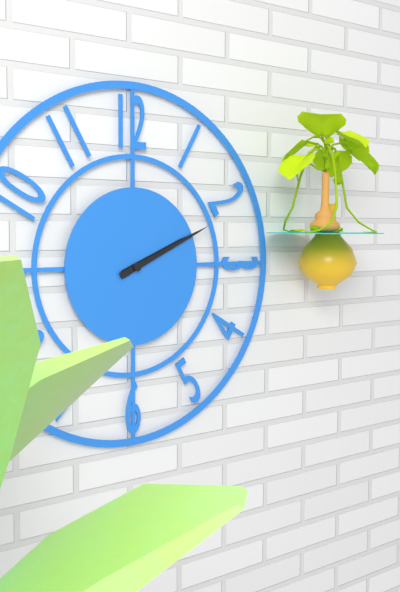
2:11
